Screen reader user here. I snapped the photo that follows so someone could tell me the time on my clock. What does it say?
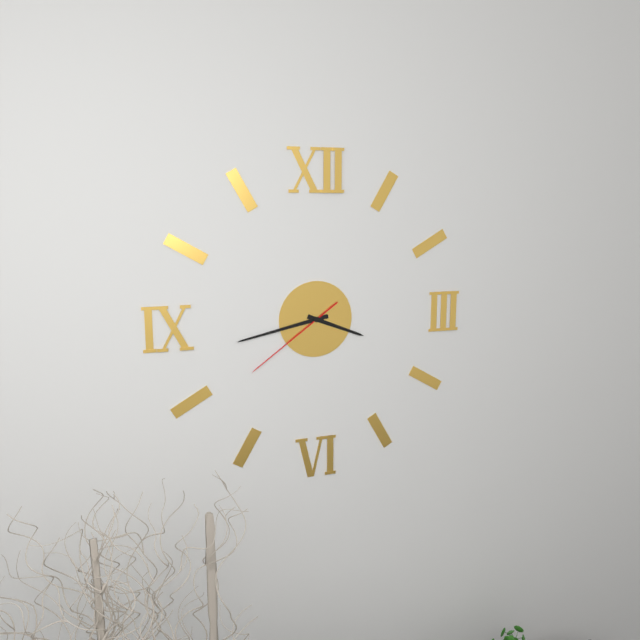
3:43:39
